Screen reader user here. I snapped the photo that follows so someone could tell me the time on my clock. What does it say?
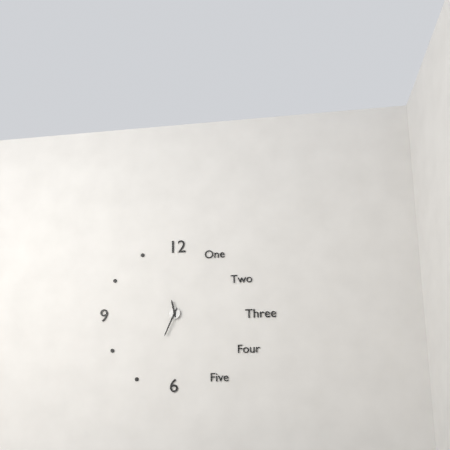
11:34
